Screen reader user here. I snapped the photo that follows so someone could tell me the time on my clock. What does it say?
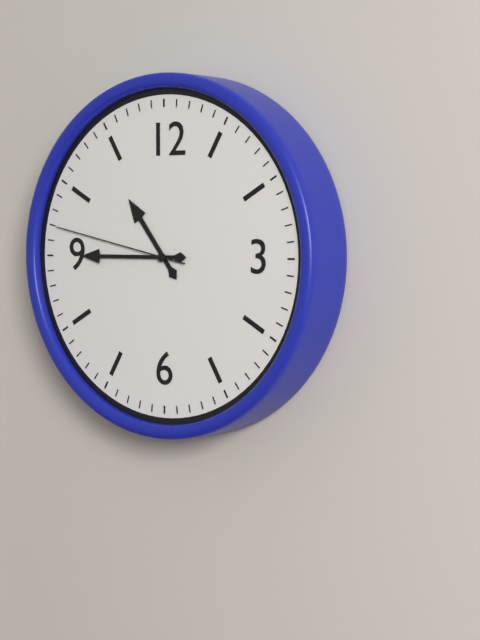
10:45:47
